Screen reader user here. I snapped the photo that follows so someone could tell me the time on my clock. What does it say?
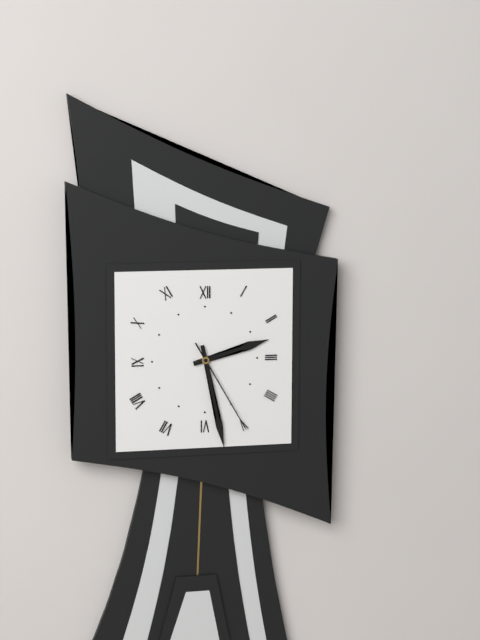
2:28:25
